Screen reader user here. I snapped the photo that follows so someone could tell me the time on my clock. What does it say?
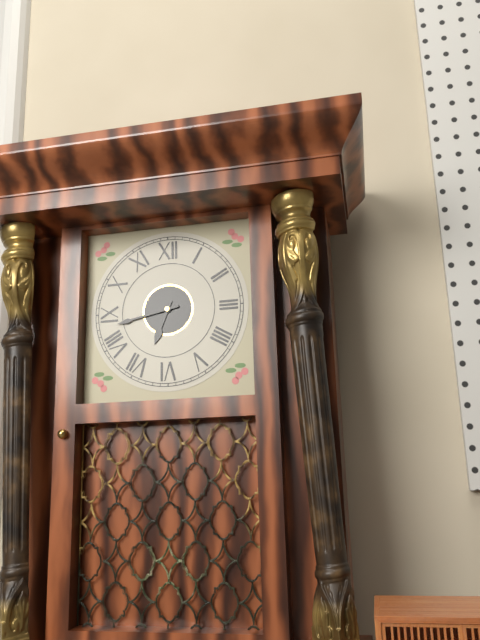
6:43
